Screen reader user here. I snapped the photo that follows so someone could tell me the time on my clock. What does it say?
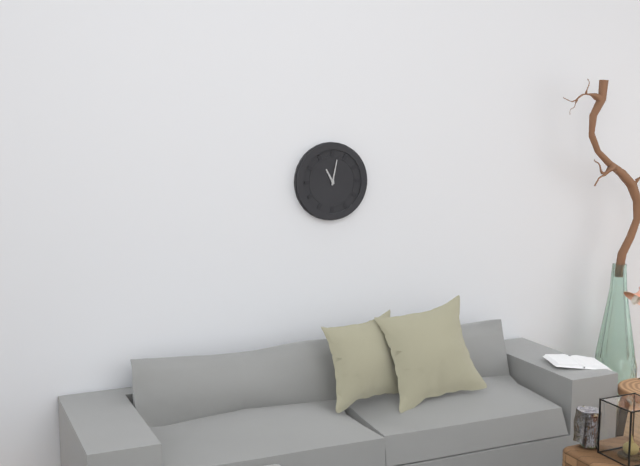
11:02
